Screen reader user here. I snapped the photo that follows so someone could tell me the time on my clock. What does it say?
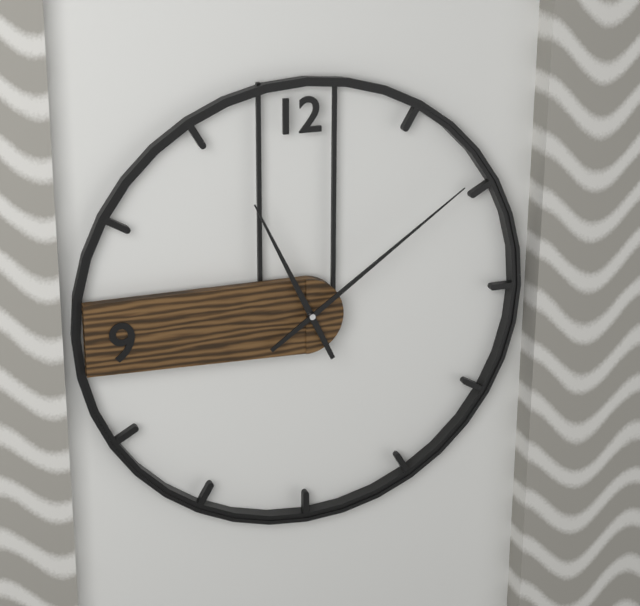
11:09
